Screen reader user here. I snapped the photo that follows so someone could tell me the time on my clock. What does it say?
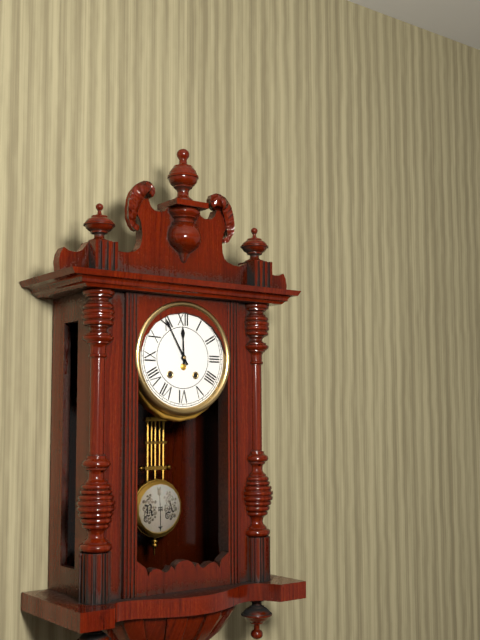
11:55
